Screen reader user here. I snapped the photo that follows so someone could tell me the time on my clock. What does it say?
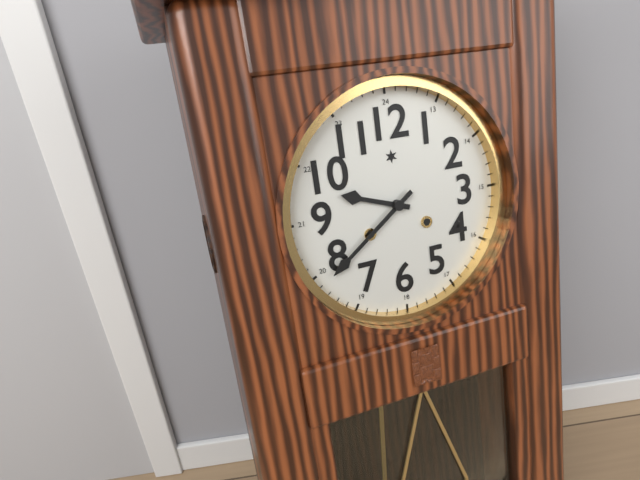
9:39
